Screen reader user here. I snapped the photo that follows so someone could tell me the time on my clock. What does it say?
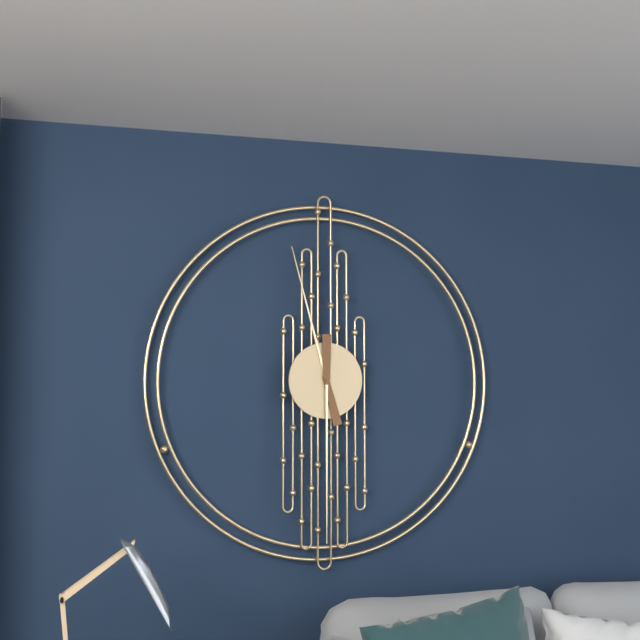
11:30
